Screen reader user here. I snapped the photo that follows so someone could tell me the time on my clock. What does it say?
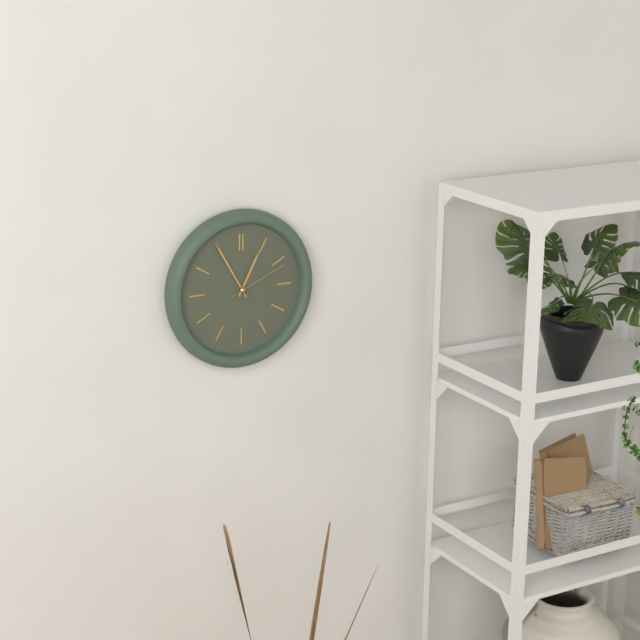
12:55:11
